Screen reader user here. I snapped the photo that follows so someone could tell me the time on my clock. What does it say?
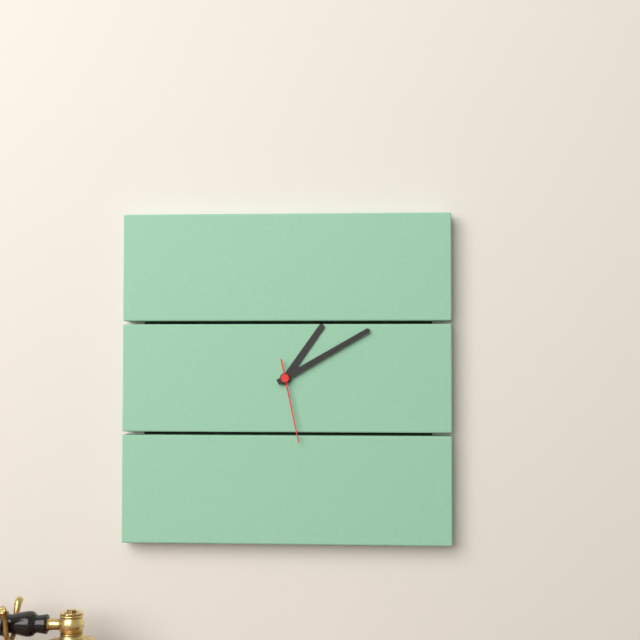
1:10:28
